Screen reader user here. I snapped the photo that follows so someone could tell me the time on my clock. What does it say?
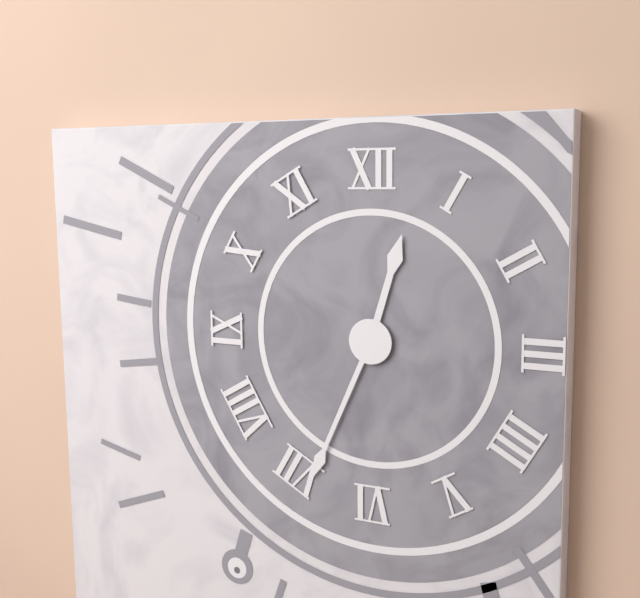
12:34
